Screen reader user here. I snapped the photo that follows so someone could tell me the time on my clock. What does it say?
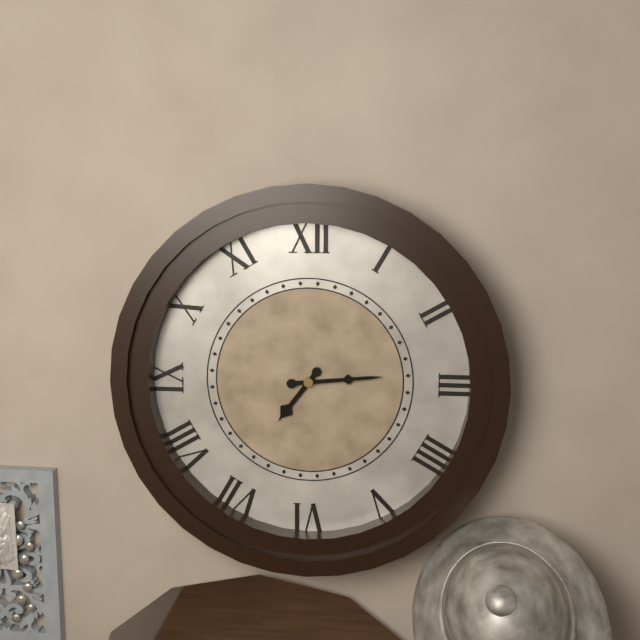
7:14
